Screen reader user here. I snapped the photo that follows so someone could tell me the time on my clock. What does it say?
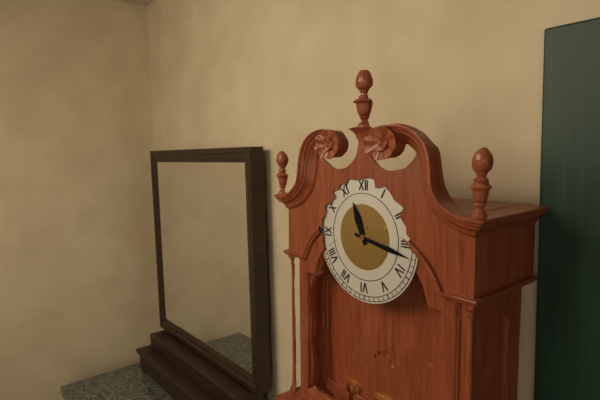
11:17
